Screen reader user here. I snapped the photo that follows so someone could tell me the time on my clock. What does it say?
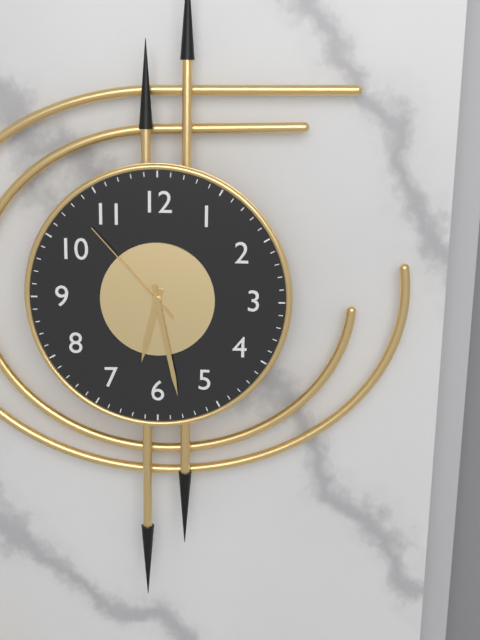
6:28:53
